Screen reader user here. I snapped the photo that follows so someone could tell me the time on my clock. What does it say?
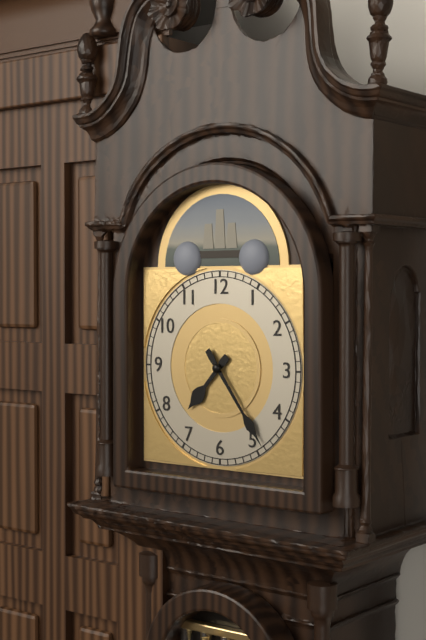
7:24
